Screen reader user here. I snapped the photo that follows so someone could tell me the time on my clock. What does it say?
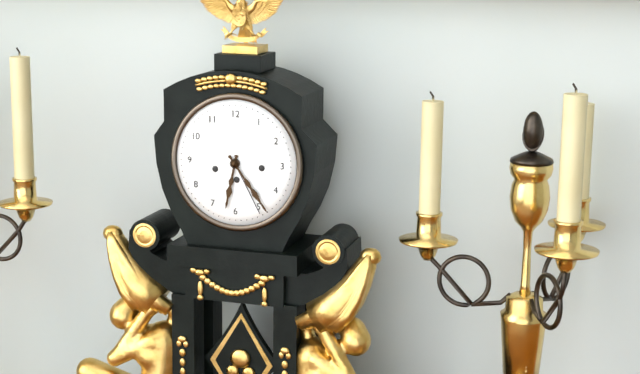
6:24
